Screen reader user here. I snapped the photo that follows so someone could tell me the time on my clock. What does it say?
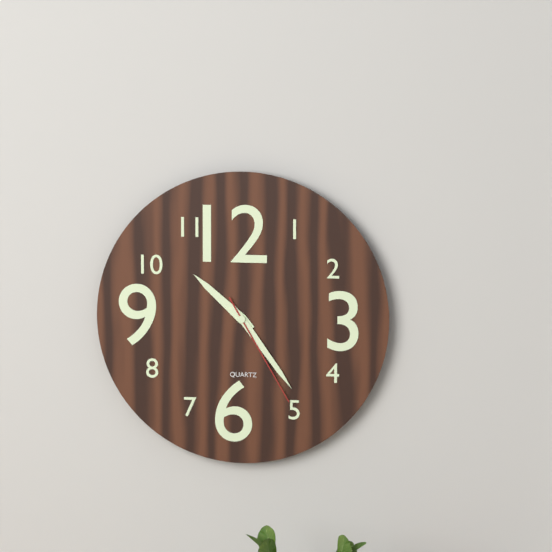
10:24:25
